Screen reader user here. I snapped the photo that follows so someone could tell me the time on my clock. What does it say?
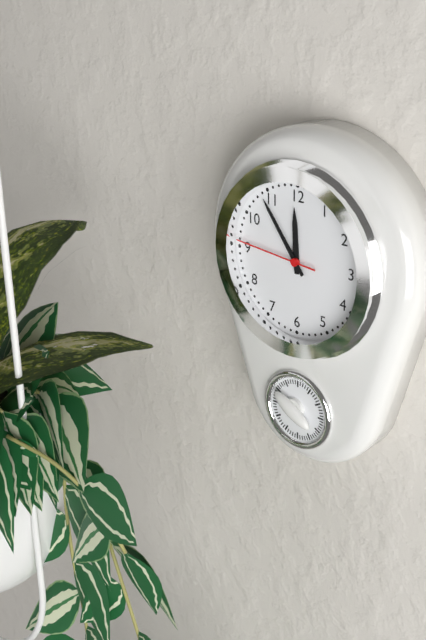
11:54:46
